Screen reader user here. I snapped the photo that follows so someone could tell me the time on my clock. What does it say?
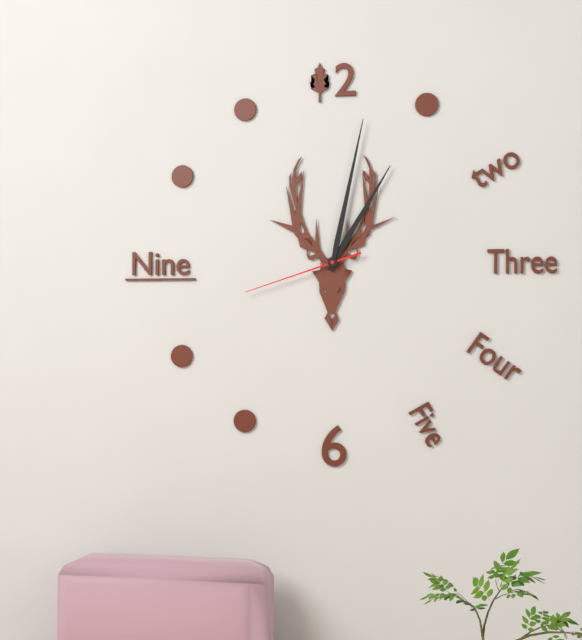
1:02:42
